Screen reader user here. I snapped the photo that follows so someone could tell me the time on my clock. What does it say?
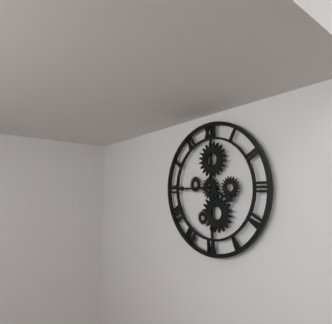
3:45
